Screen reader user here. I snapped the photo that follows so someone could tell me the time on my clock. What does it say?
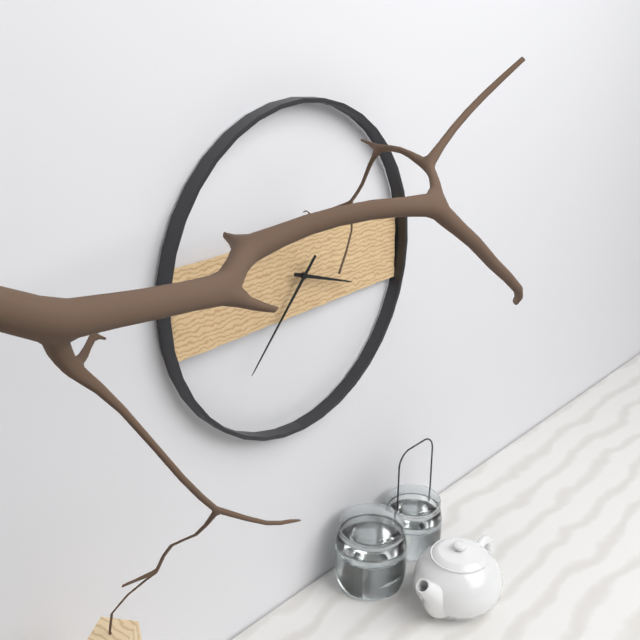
3:37
